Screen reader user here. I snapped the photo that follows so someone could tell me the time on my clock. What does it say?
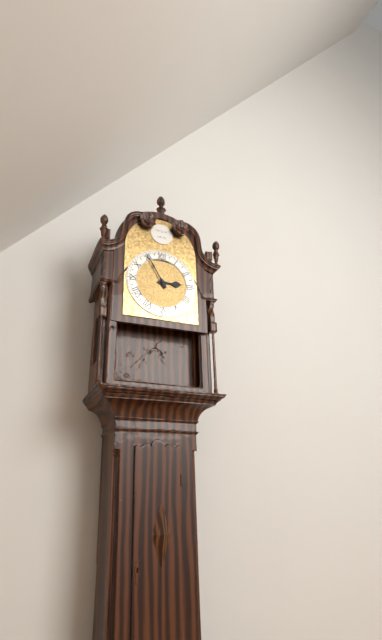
2:55
